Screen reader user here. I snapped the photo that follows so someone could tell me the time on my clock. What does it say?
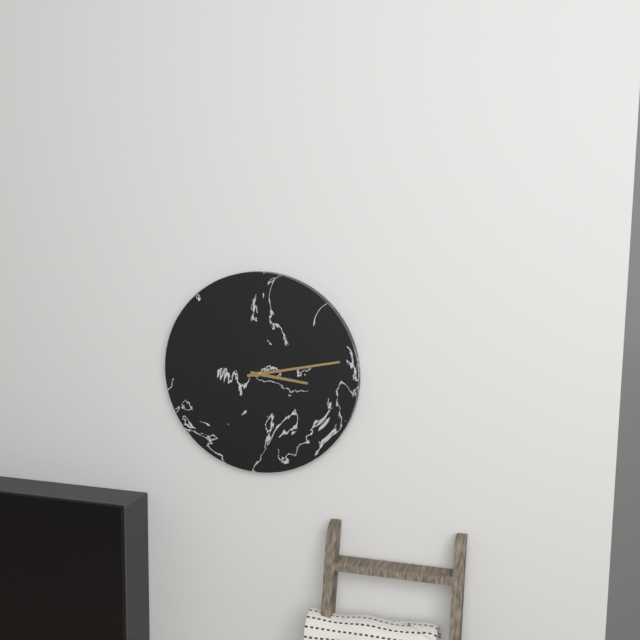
3:13
